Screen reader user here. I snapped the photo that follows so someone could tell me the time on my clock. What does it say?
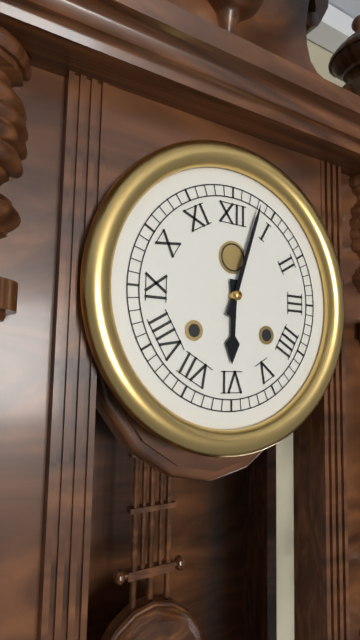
6:03
